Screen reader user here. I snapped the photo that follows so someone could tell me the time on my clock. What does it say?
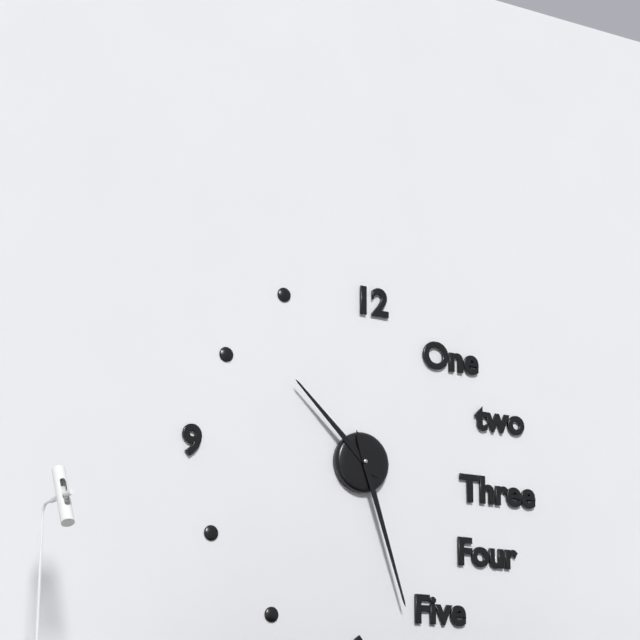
10:27
